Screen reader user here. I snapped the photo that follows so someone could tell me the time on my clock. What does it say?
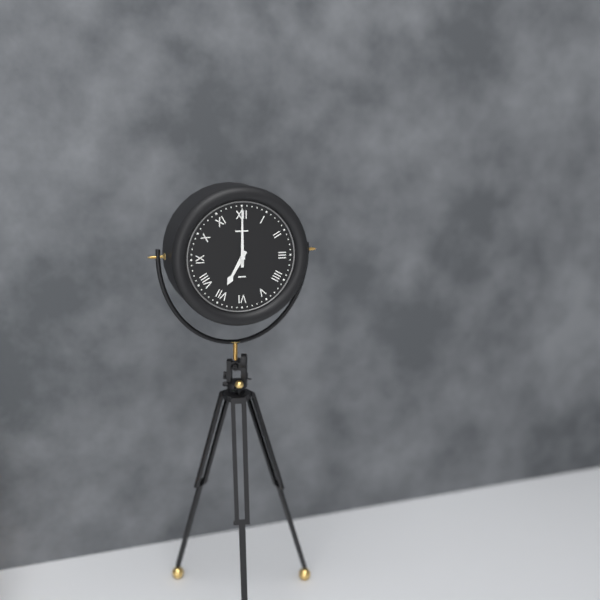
7:00
